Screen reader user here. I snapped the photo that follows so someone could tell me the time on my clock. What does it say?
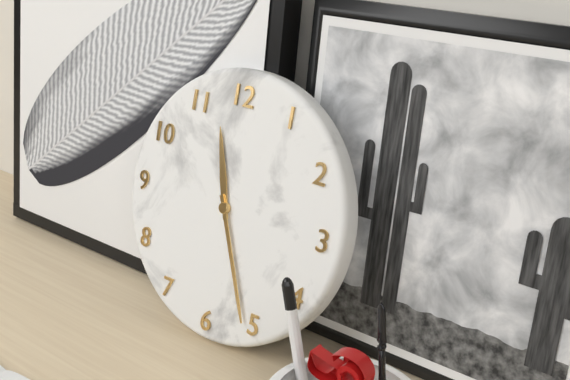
11:26
